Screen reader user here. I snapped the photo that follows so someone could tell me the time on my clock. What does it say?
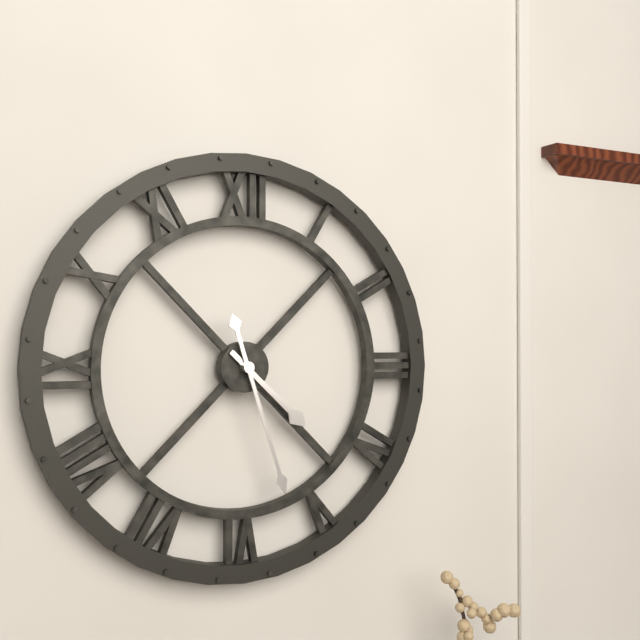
4:27
